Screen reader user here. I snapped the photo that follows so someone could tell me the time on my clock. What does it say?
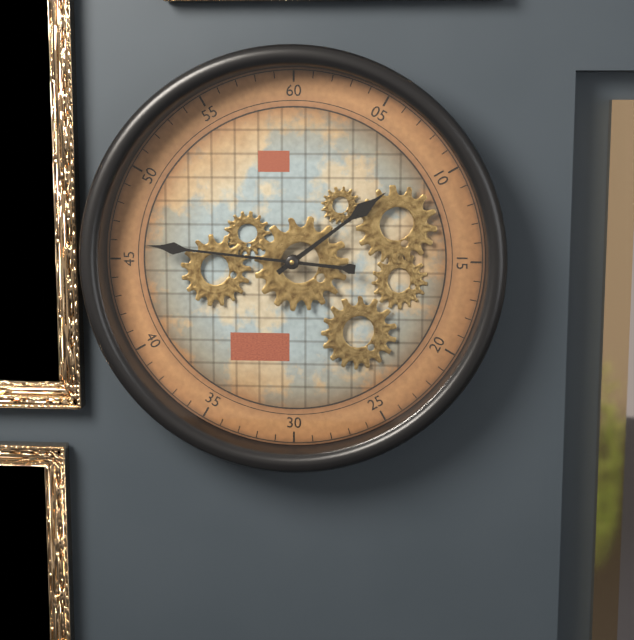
1:46
